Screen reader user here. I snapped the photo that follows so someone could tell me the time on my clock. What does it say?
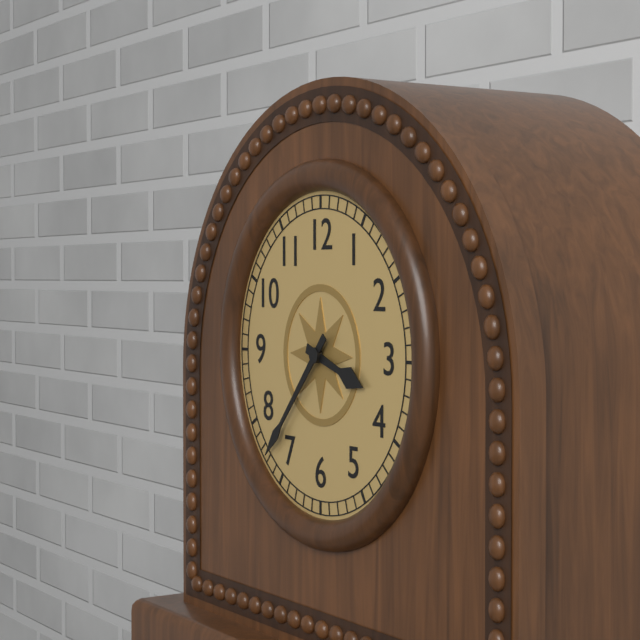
3:37
